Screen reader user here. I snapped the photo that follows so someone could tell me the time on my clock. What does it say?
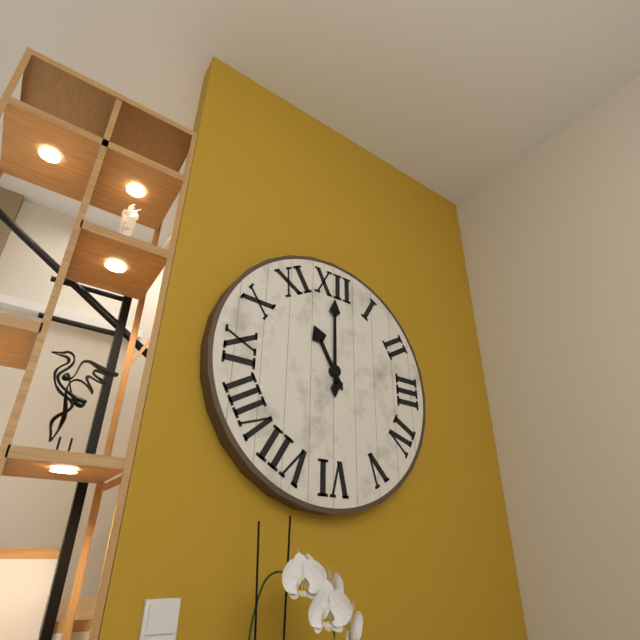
11:00
